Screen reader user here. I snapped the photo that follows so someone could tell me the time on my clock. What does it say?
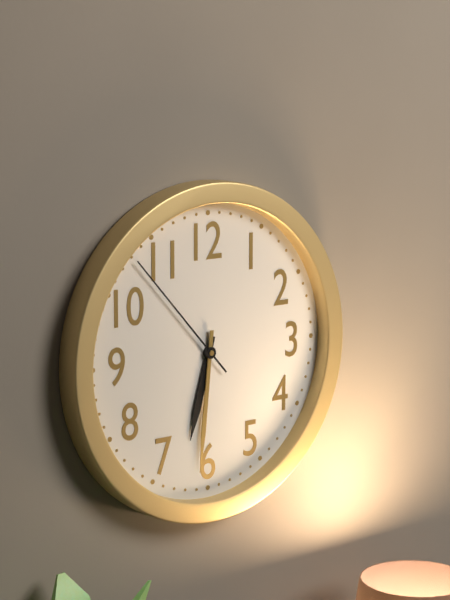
6:31:53
